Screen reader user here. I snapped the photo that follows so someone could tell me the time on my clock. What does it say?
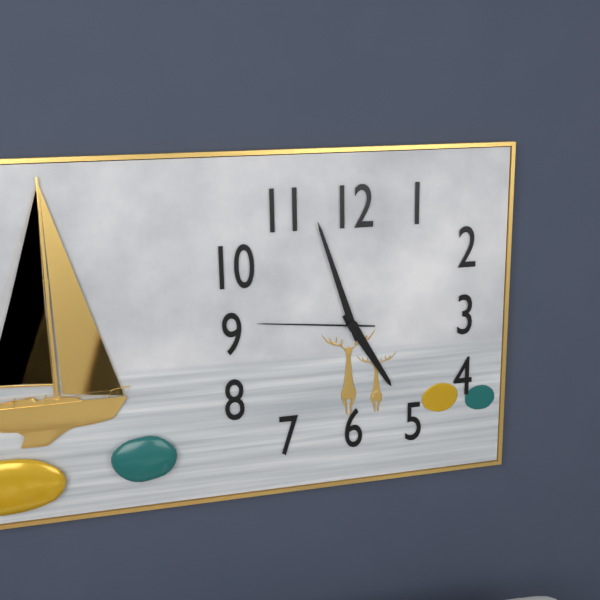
4:57:46
